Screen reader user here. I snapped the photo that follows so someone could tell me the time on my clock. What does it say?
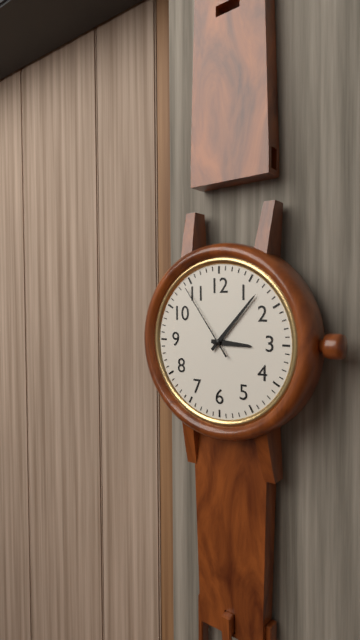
3:07:54
